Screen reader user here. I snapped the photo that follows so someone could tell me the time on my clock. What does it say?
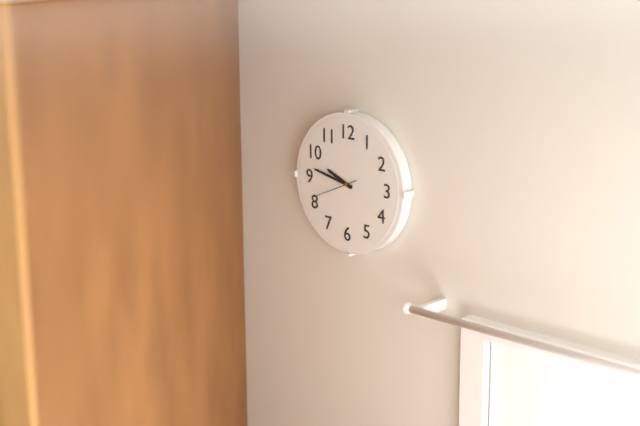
9:47:41
